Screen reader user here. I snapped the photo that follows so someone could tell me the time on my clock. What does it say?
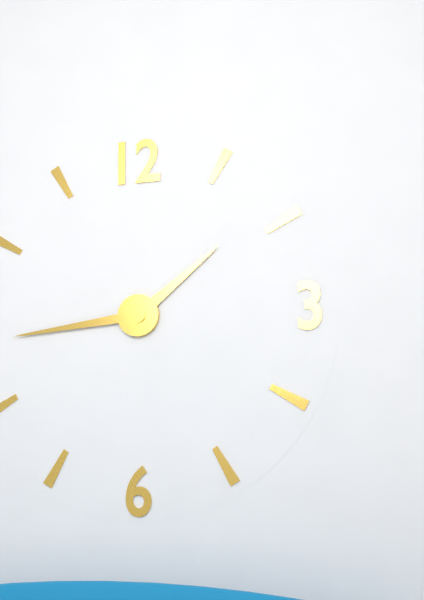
1:44
